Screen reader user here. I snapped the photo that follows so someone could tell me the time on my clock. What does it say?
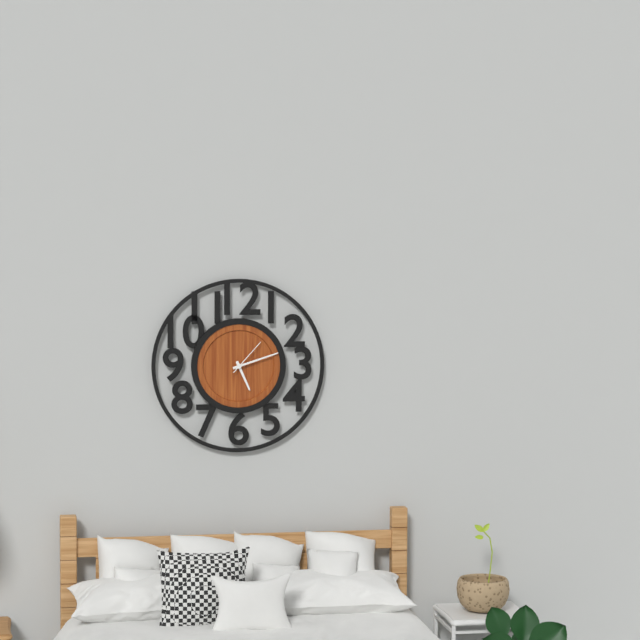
5:12
